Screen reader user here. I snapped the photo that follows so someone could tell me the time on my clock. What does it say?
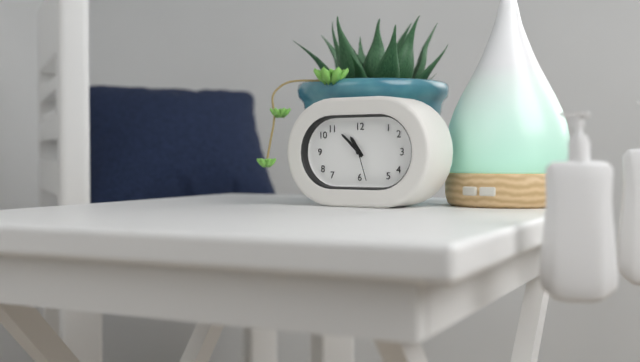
10:52
